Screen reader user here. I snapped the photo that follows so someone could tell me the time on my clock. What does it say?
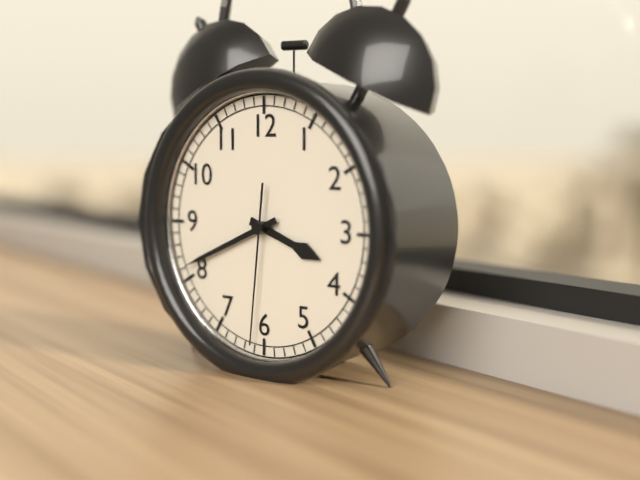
3:41:31
